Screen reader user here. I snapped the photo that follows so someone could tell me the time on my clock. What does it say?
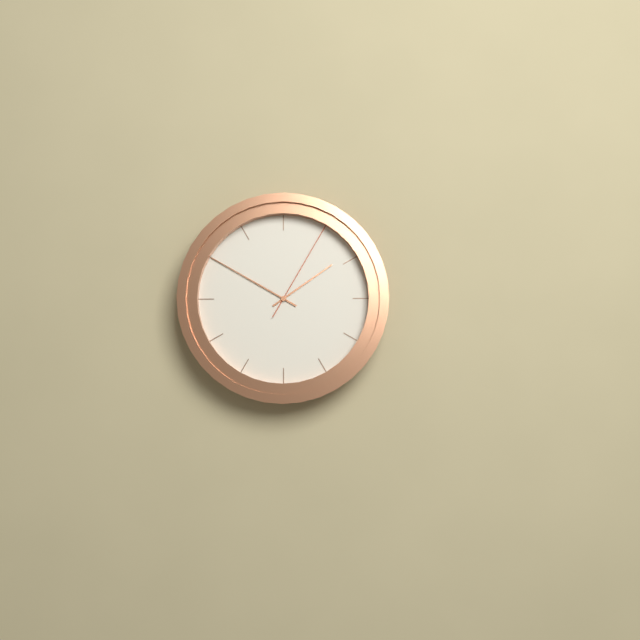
1:50:05
